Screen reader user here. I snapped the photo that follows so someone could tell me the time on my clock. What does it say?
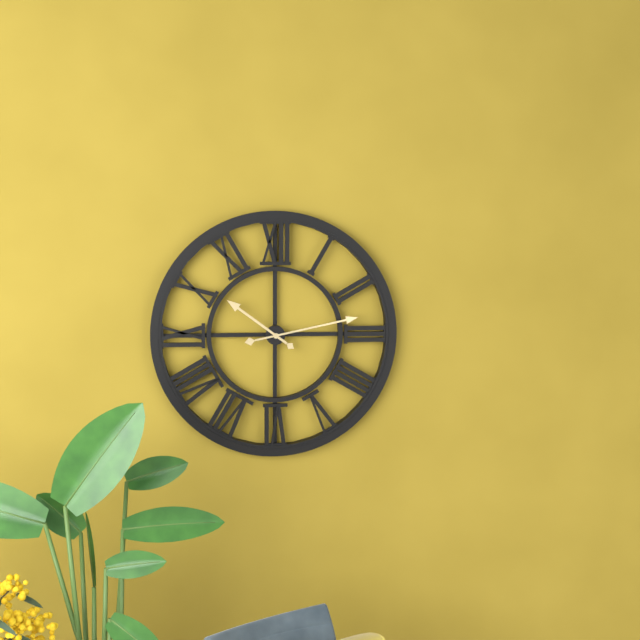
10:13
